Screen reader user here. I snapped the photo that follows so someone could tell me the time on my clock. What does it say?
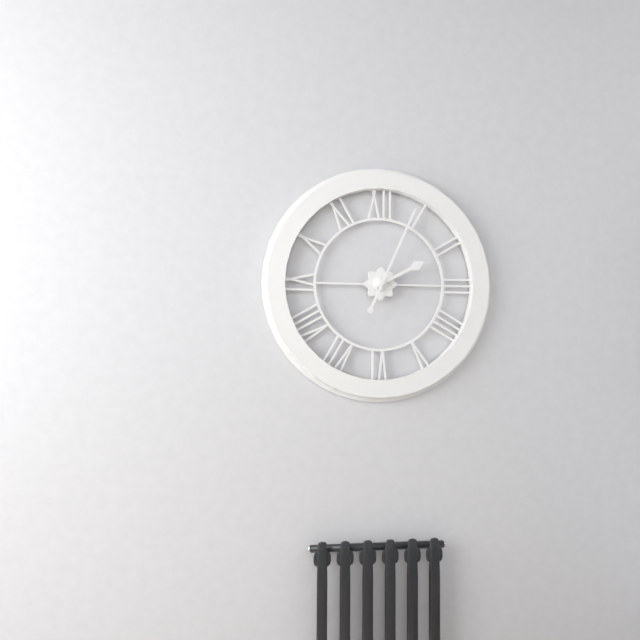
2:04
